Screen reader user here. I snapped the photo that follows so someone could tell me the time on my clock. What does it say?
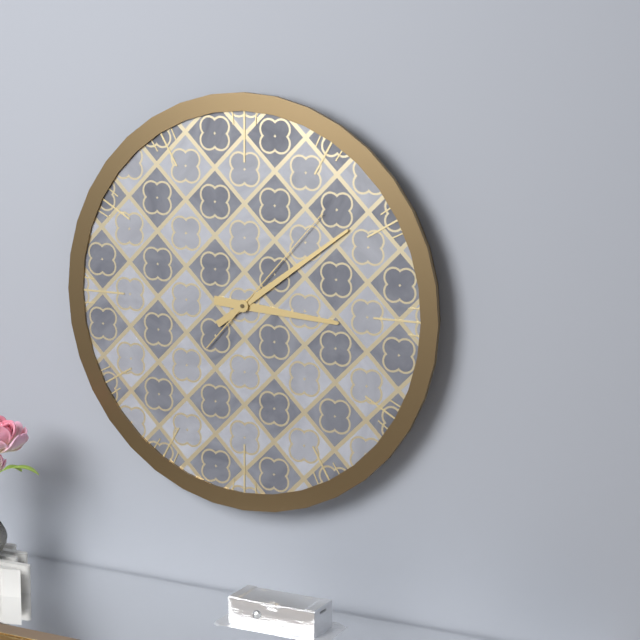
3:09:07
